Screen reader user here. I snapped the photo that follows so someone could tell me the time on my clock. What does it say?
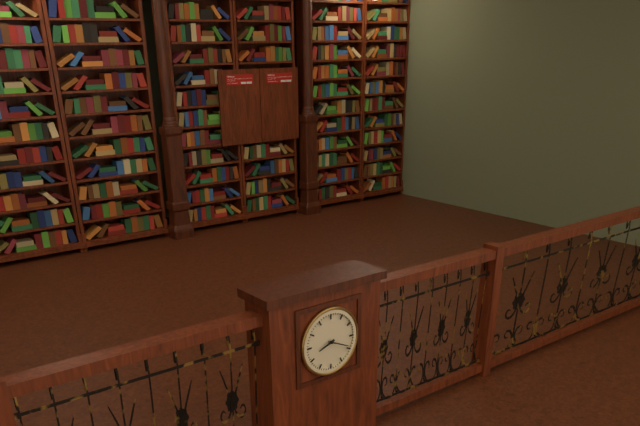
8:19
